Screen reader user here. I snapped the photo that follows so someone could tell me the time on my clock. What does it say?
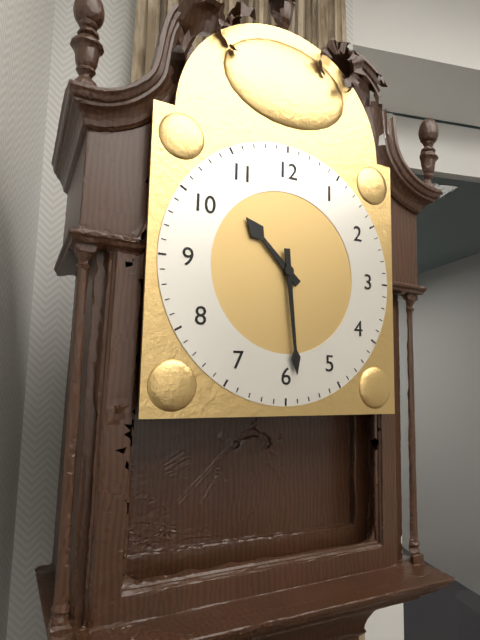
10:29
